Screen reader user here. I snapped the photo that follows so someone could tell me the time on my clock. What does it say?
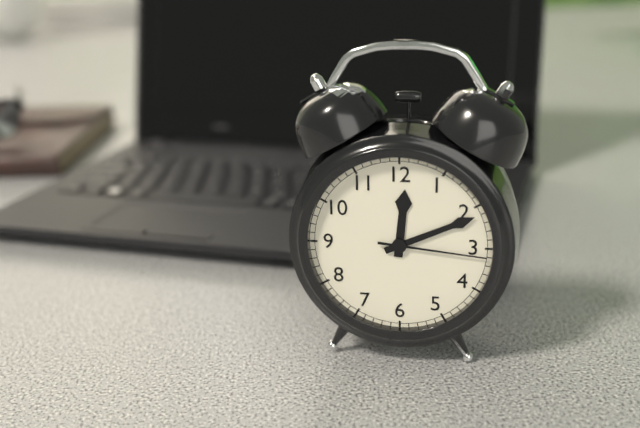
12:11:16
